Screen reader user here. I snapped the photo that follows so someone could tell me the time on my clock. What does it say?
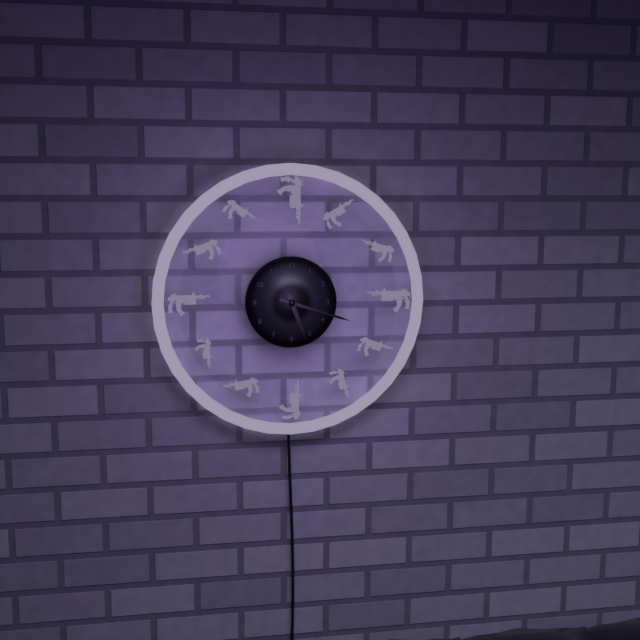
5:18
